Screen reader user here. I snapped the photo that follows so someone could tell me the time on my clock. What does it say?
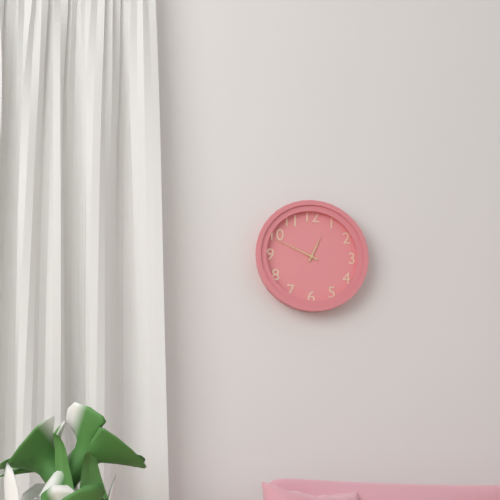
12:49
